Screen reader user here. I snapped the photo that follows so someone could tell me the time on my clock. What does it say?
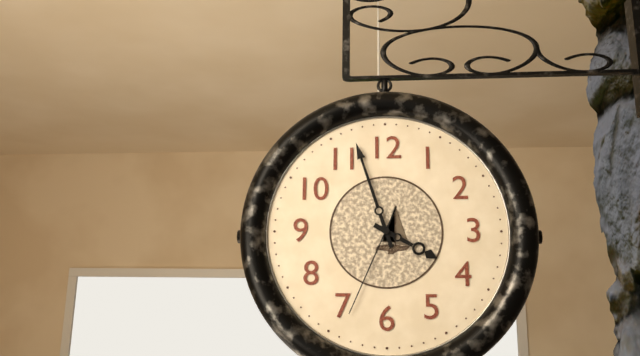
3:57:34
